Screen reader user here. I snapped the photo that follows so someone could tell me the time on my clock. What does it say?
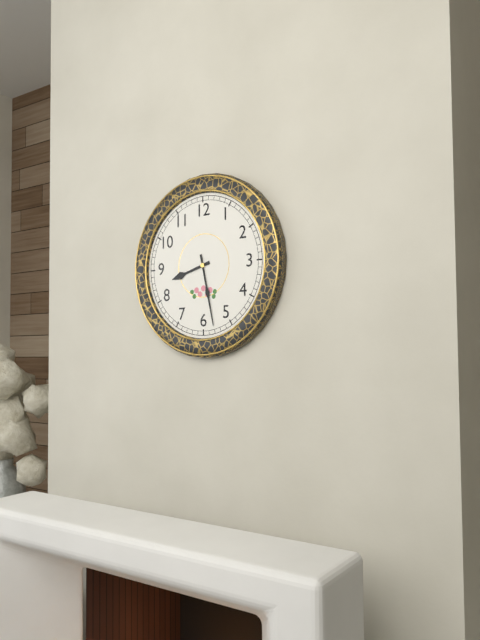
8:28
